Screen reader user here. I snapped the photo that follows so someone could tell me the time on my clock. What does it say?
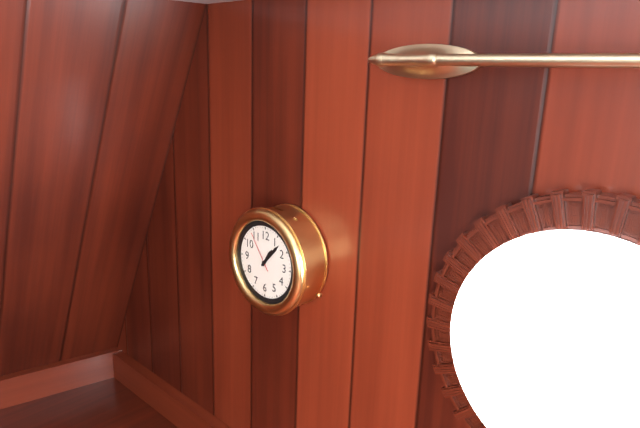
1:07
